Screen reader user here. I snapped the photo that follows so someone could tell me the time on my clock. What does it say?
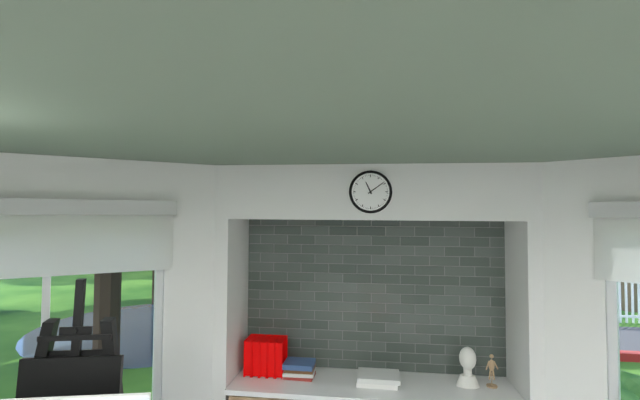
11:09
